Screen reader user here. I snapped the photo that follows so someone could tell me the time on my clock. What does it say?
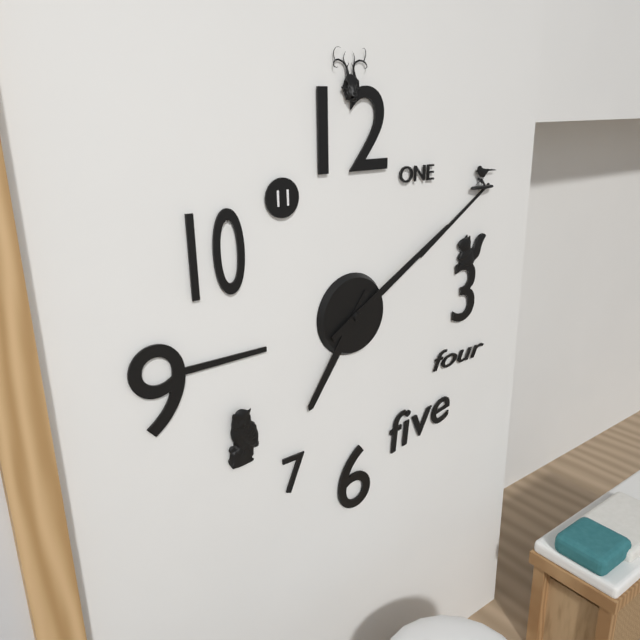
7:10
